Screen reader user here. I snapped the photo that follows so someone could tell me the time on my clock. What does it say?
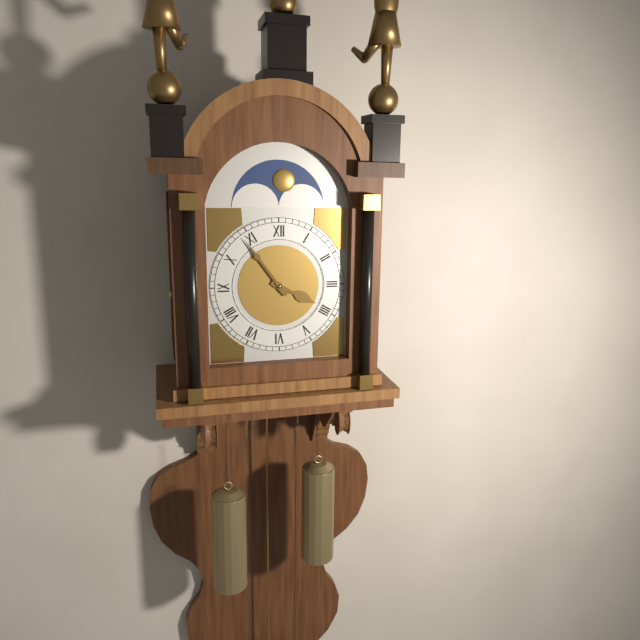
3:54
